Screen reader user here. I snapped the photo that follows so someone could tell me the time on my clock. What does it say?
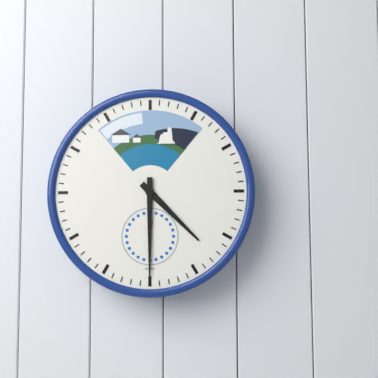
4:30
